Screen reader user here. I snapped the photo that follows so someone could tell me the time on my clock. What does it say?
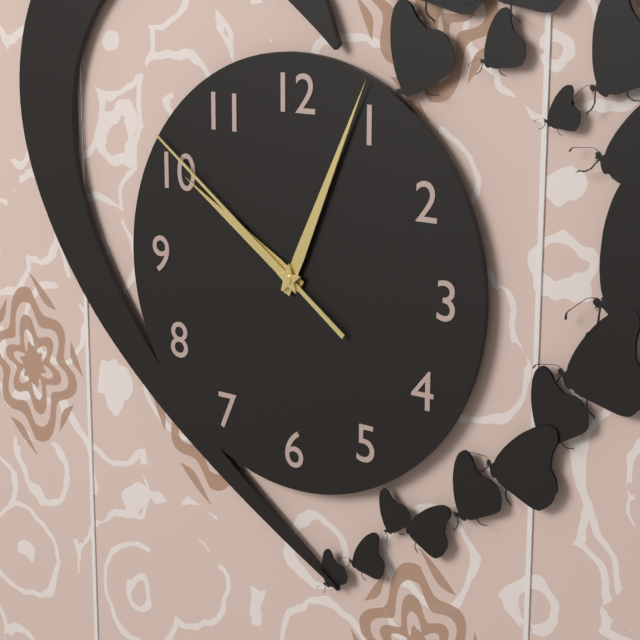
10:04:51
